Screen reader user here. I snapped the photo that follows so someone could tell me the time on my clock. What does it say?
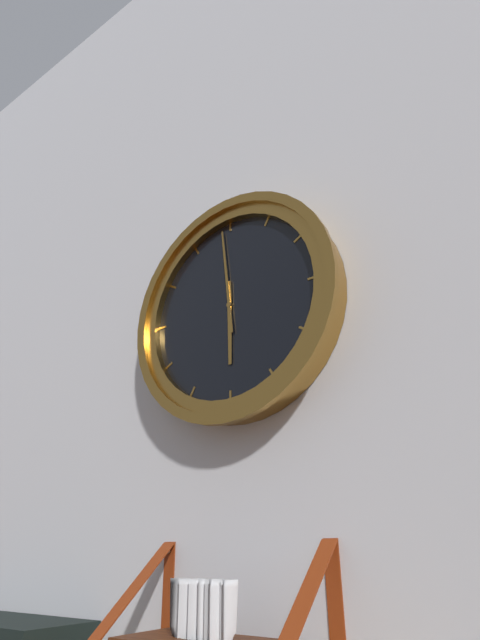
5:59
